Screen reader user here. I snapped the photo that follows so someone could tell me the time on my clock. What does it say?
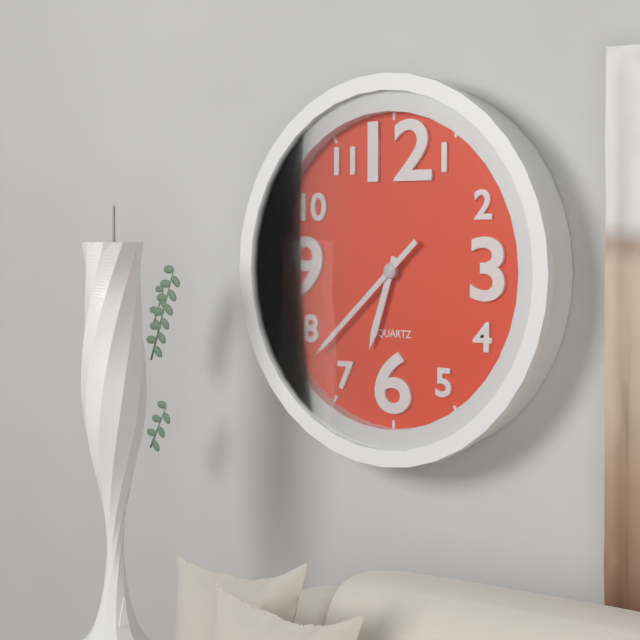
6:38
